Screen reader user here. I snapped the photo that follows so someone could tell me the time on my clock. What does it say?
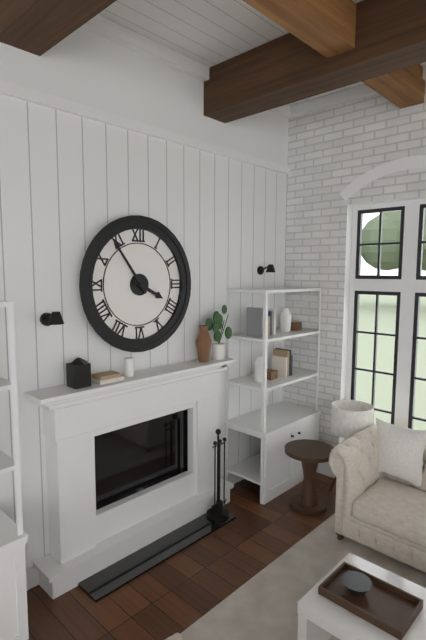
3:54
